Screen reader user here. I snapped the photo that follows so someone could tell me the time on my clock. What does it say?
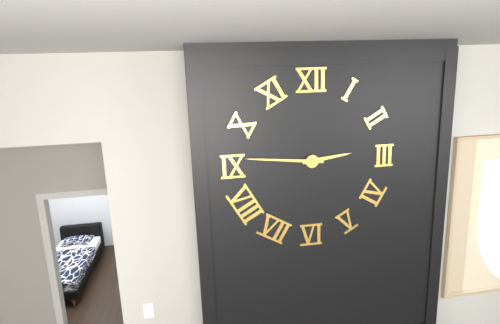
2:46
